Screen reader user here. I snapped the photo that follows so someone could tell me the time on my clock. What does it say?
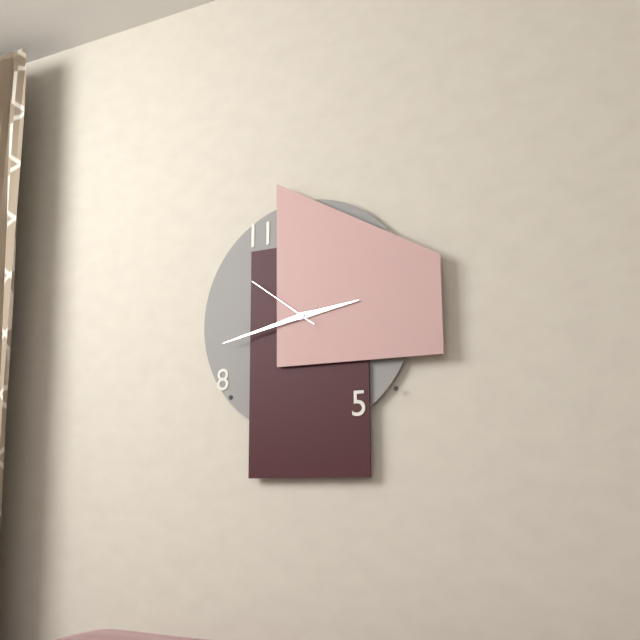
2:43:51
